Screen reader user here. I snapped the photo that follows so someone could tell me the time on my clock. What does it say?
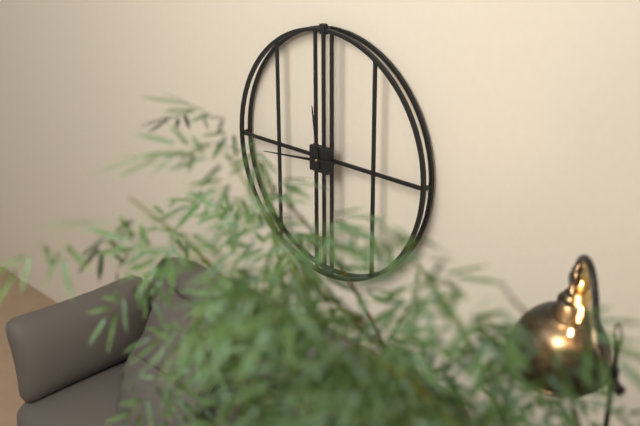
11:44
